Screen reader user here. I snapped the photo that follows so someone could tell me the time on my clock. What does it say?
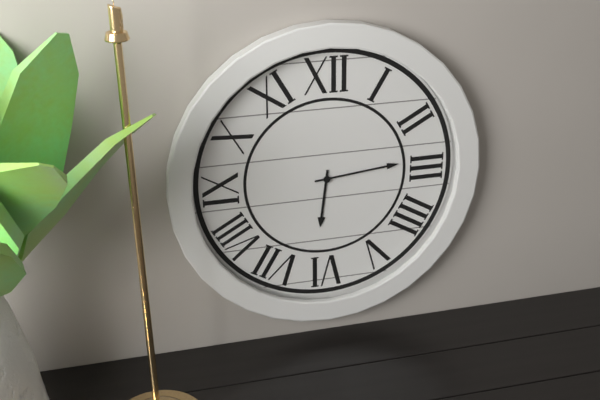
6:14
